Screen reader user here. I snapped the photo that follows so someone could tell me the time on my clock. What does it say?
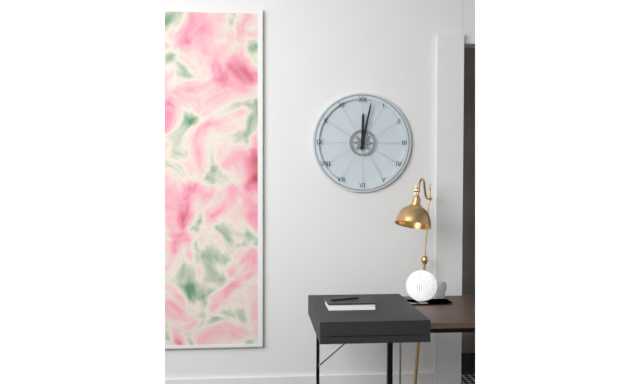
12:02
